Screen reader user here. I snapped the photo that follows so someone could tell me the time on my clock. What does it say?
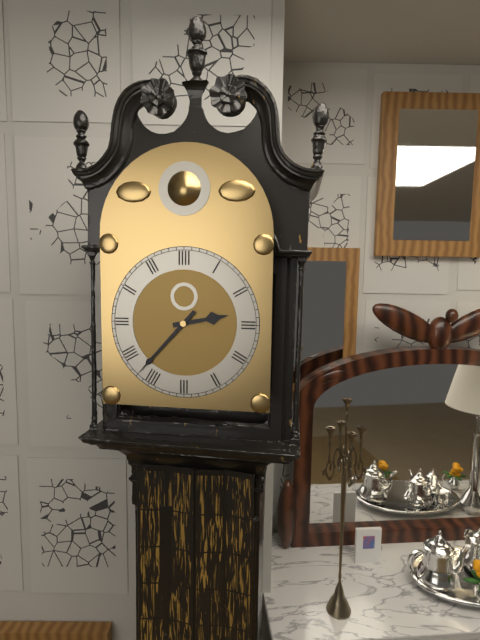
2:37
